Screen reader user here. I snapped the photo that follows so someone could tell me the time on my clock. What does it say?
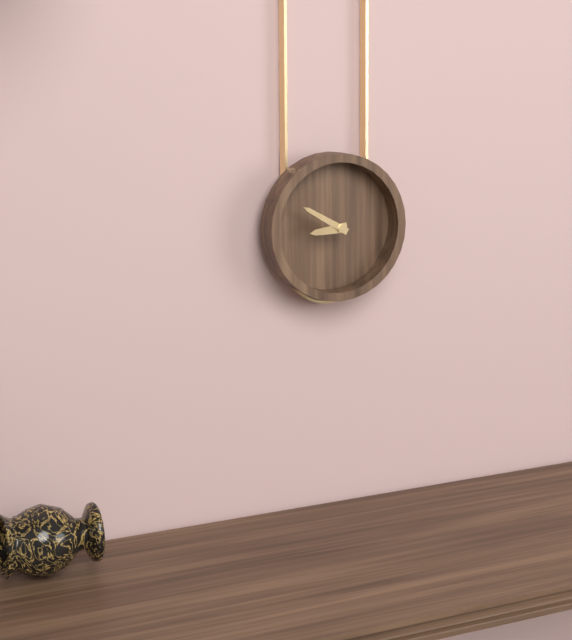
8:50
